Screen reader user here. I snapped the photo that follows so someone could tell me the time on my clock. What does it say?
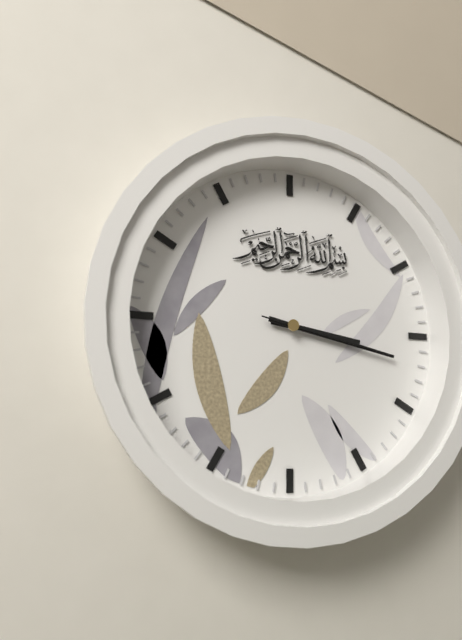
3:17:17
